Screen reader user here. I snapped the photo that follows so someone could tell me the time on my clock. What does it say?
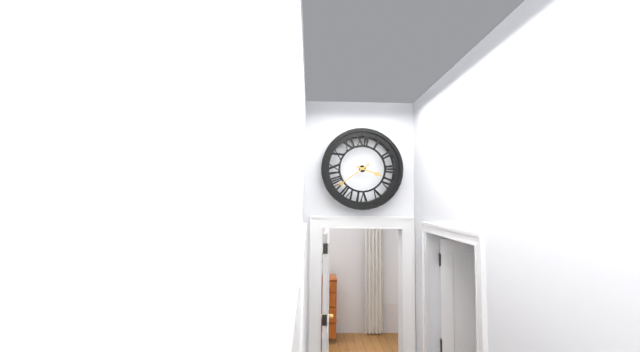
3:39
